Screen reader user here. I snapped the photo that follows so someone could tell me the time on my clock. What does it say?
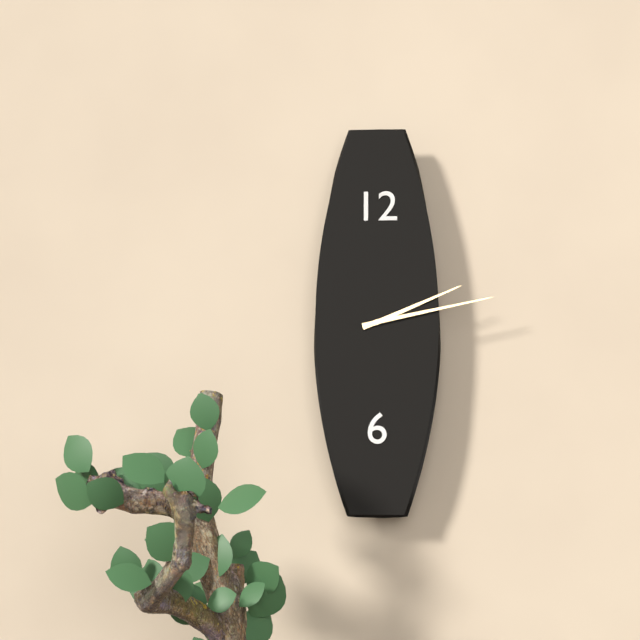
2:13
